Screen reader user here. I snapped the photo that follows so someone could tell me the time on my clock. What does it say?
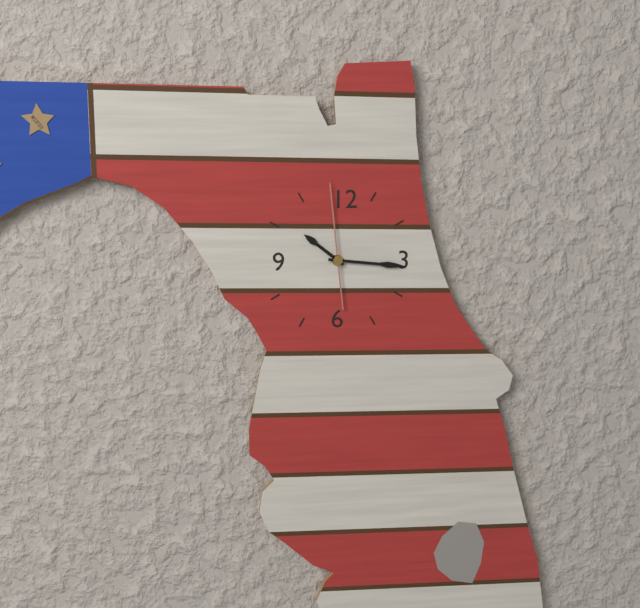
10:16:59
